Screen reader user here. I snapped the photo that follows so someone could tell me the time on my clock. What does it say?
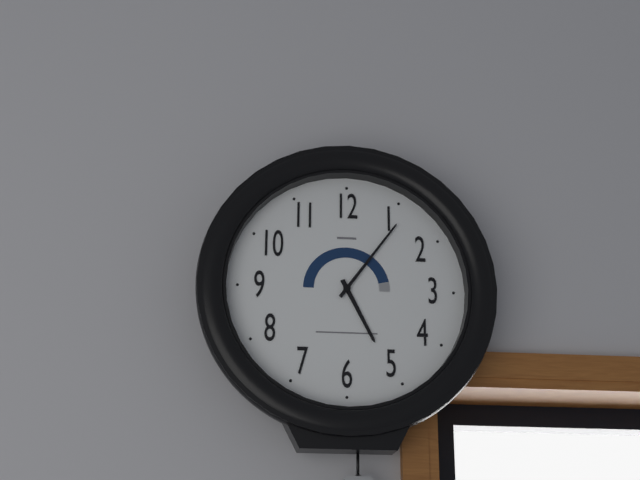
5:06
